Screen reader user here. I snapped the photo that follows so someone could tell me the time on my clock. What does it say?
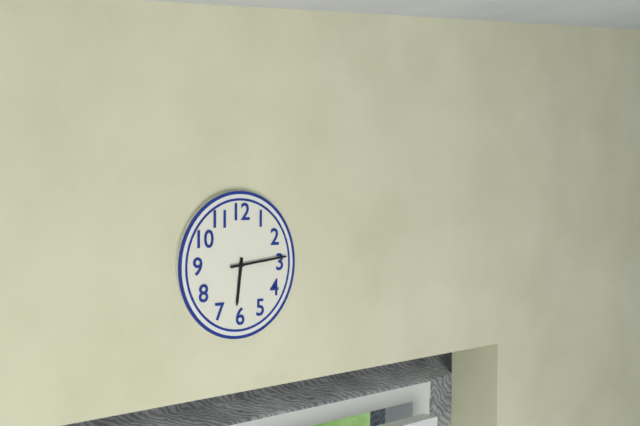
6:14
